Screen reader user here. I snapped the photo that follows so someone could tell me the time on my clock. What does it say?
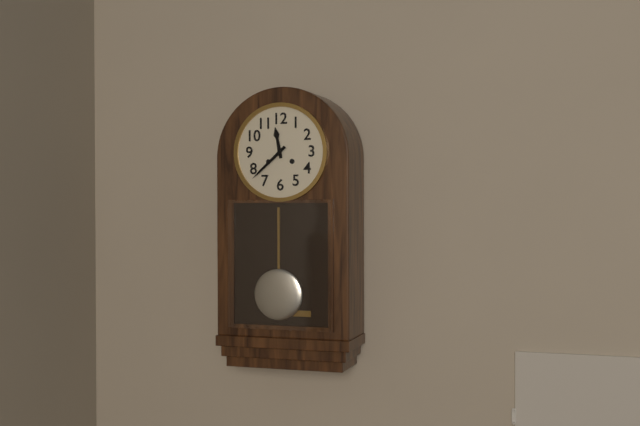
11:38
